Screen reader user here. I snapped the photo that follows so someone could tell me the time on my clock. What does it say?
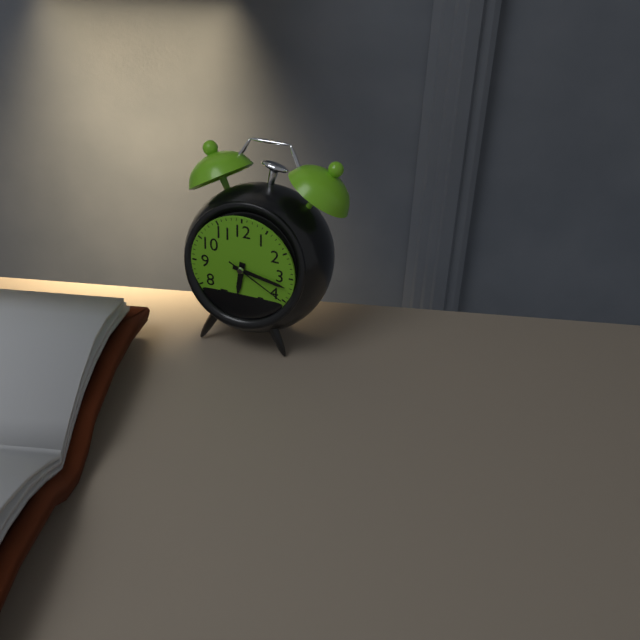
6:17:20
